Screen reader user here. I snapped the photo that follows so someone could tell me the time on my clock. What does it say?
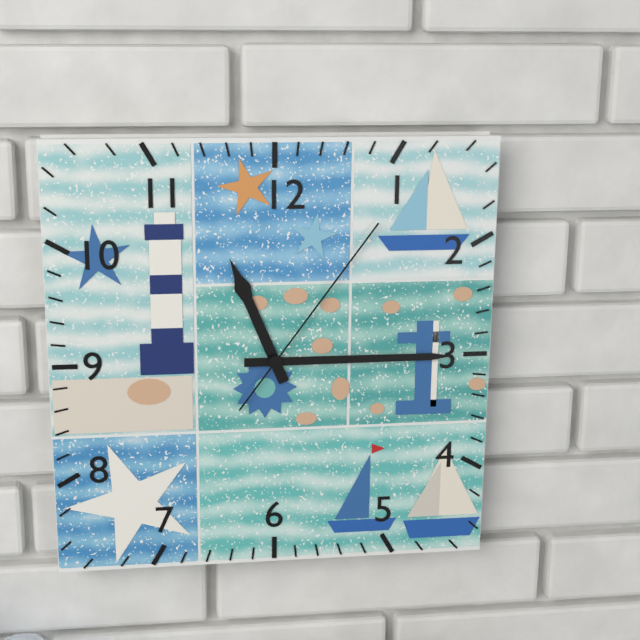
11:15:06
